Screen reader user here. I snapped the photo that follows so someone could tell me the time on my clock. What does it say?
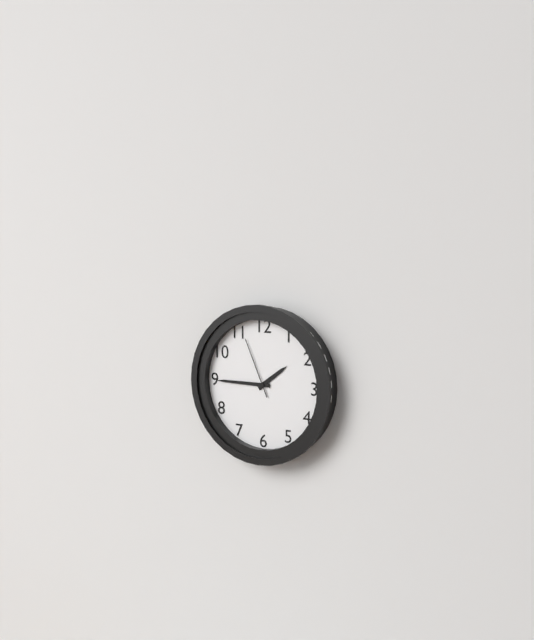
1:45:56
